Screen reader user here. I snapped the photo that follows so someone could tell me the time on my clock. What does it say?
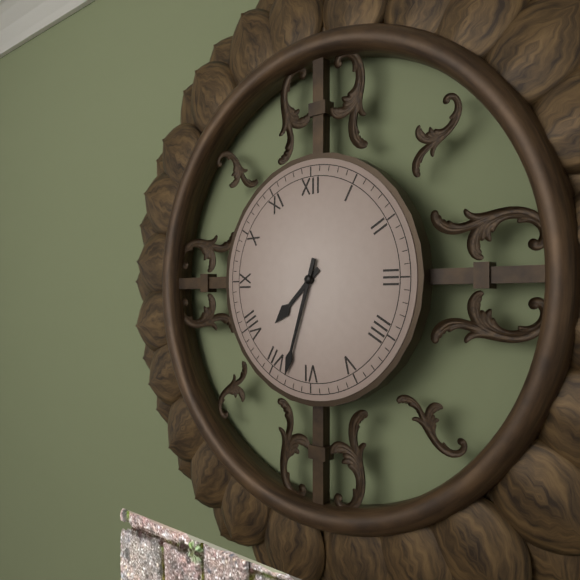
7:33
